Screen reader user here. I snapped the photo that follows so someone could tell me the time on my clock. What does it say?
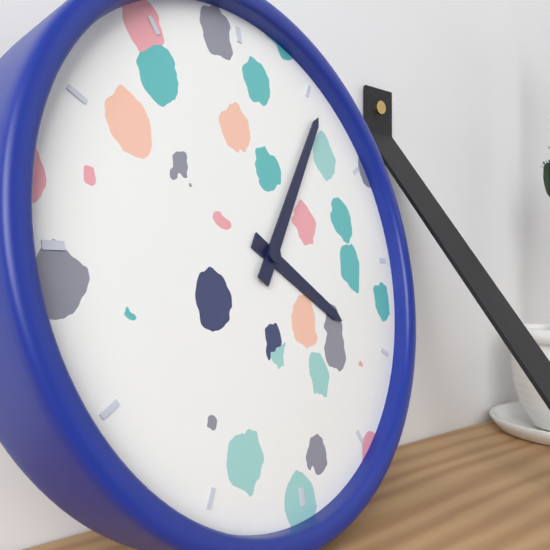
4:06
